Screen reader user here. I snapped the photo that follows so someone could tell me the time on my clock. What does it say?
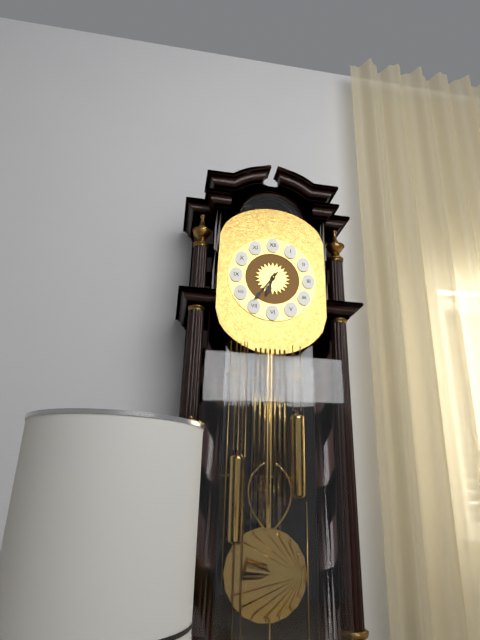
6:36
